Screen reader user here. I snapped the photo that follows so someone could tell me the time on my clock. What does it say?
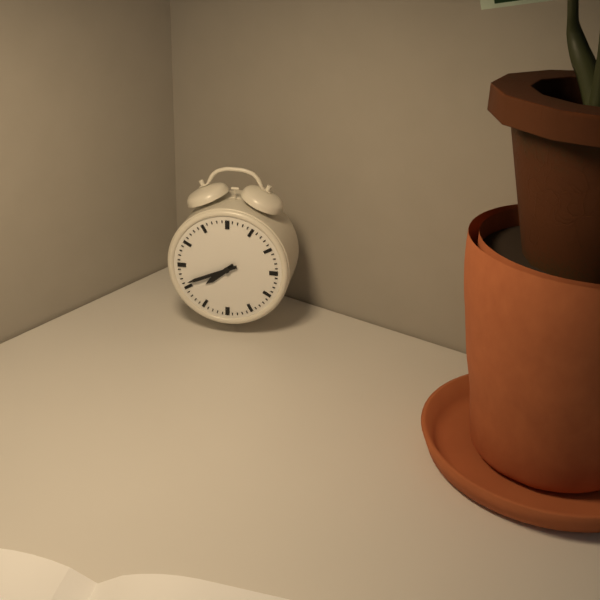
7:41
